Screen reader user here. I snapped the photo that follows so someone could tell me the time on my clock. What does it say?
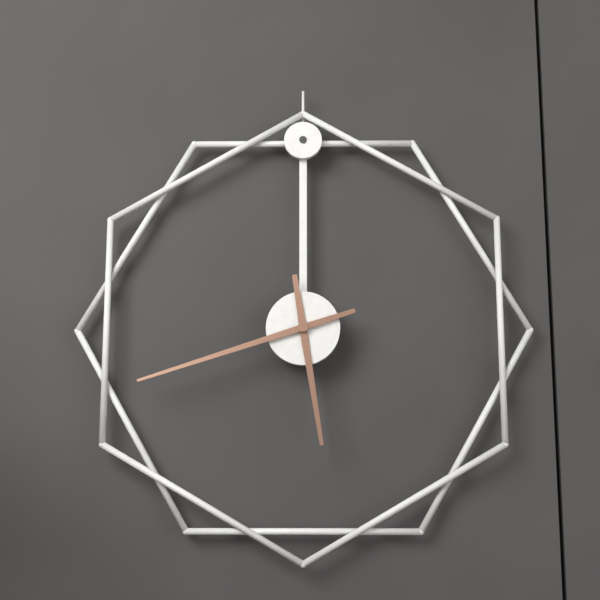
5:42
